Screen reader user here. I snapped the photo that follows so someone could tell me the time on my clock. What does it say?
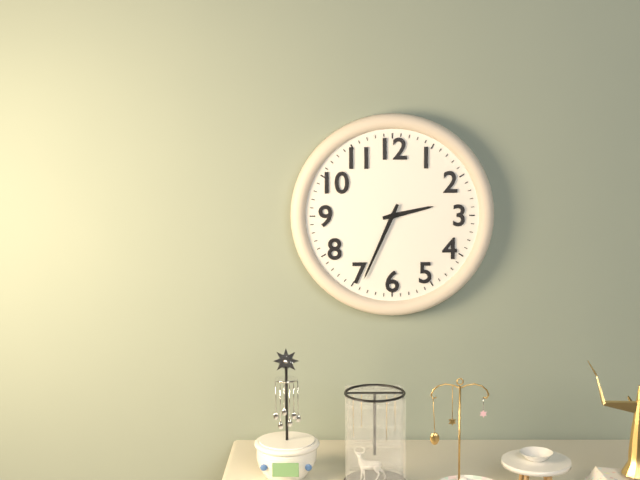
2:34
